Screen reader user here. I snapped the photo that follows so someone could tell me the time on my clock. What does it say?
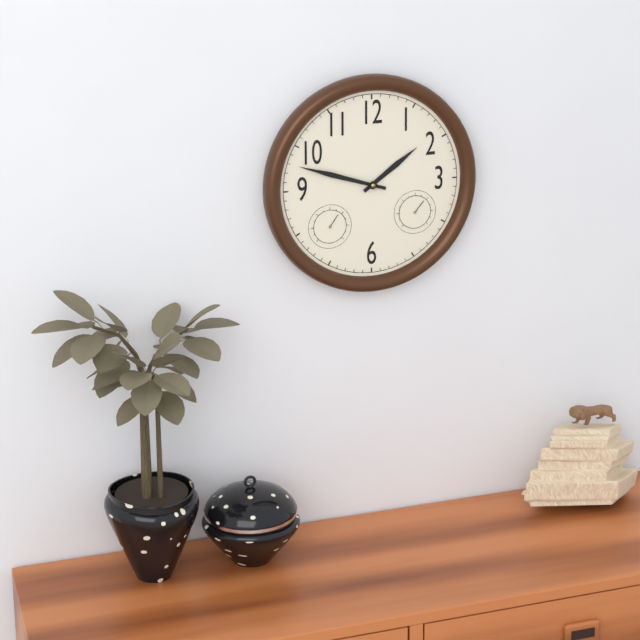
1:48
